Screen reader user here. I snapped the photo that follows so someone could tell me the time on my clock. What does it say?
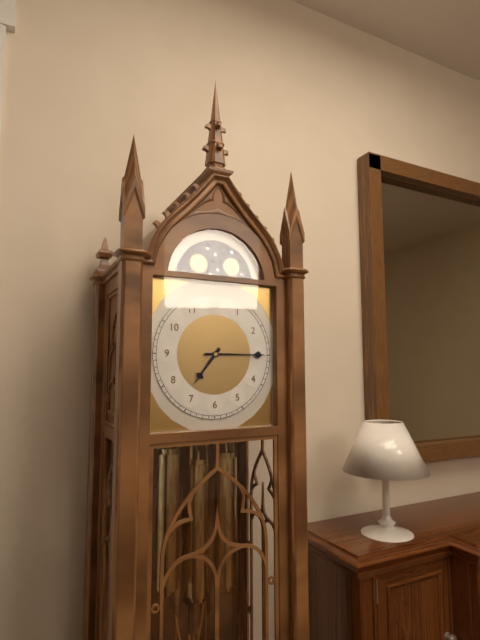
7:15
